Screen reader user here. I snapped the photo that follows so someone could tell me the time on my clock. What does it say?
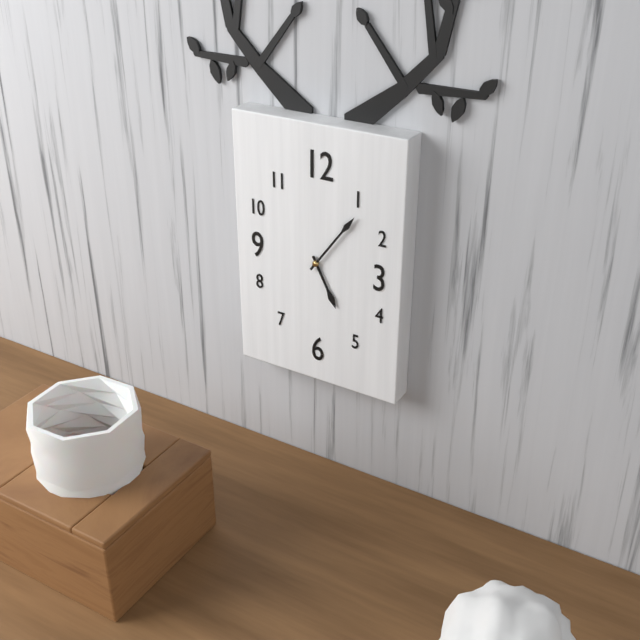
5:06
